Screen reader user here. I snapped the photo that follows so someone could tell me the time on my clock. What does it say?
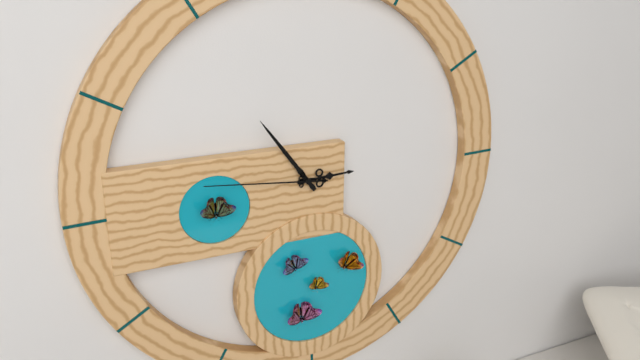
2:54:46
